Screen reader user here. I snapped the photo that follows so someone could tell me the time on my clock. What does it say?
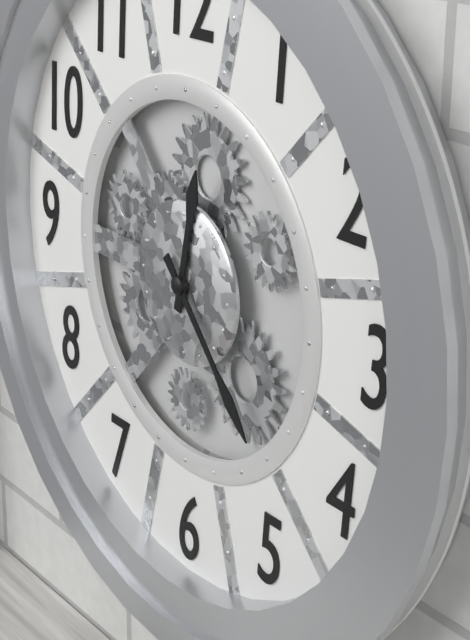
12:23
